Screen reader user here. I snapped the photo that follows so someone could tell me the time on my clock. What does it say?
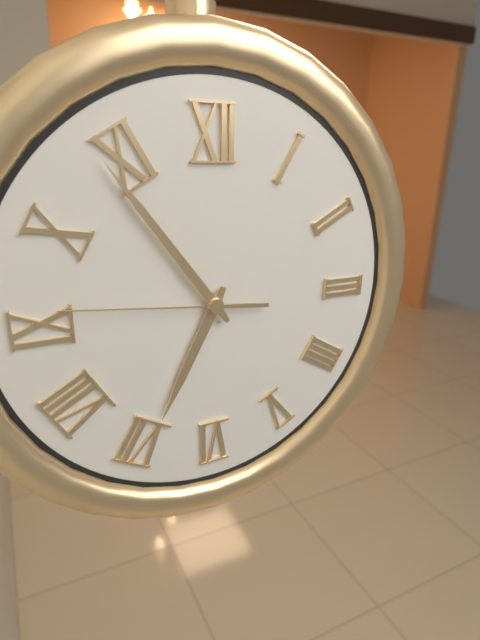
6:54:46
